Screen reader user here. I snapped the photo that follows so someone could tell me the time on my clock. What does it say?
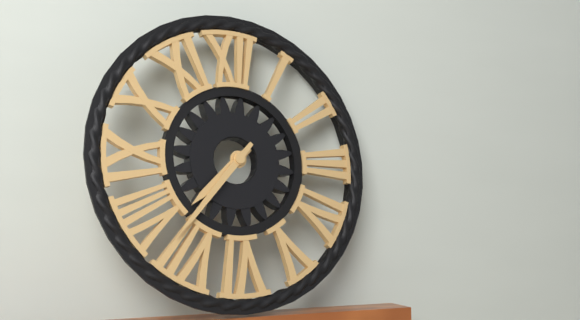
7:37
